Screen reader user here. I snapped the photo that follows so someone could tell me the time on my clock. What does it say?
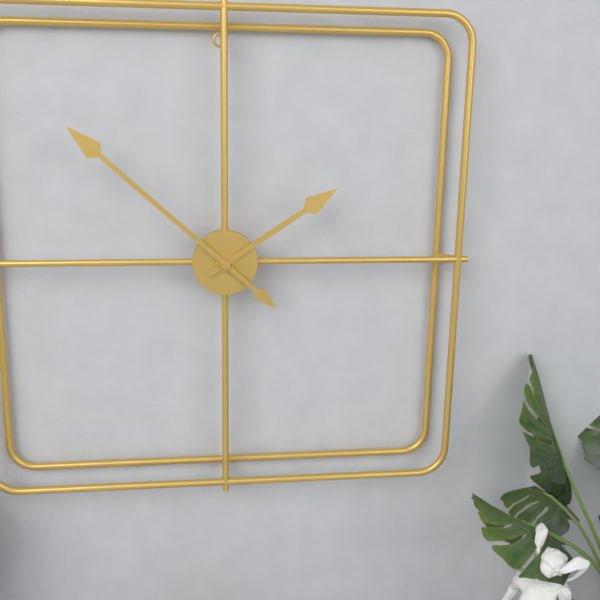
1:52
